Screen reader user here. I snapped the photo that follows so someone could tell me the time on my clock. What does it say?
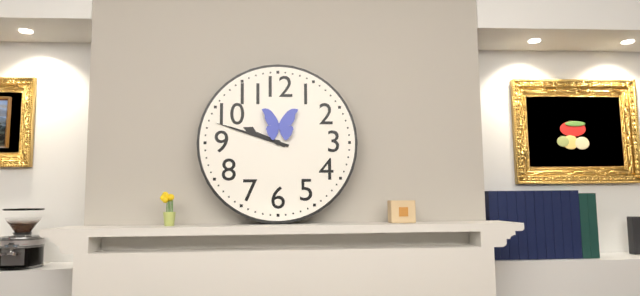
9:48
